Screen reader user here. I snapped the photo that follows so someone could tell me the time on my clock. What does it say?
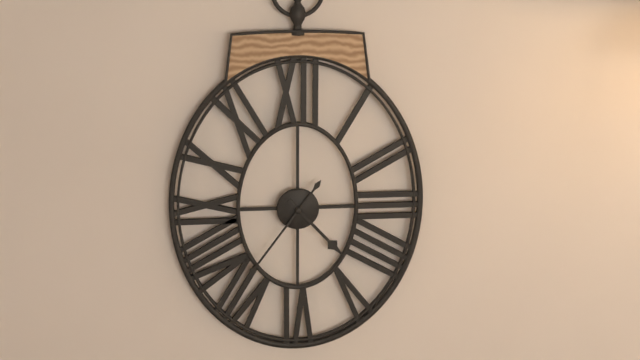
4:36
